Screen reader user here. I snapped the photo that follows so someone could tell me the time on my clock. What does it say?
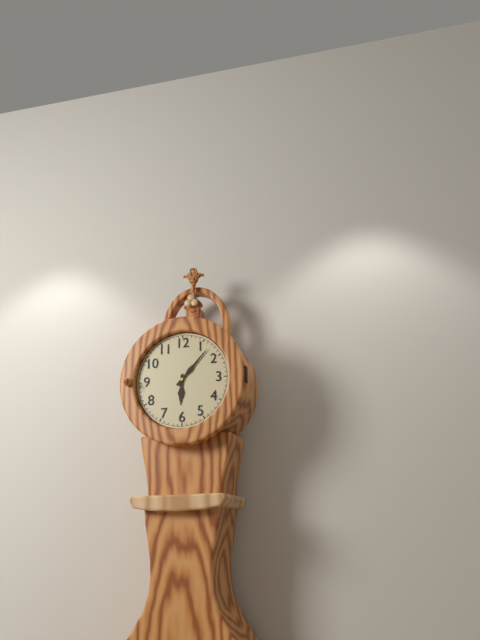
6:07
